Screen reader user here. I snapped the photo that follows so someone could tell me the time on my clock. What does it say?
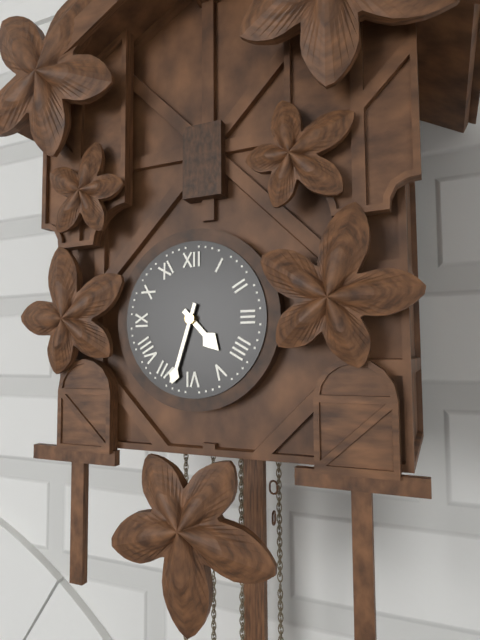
4:33
